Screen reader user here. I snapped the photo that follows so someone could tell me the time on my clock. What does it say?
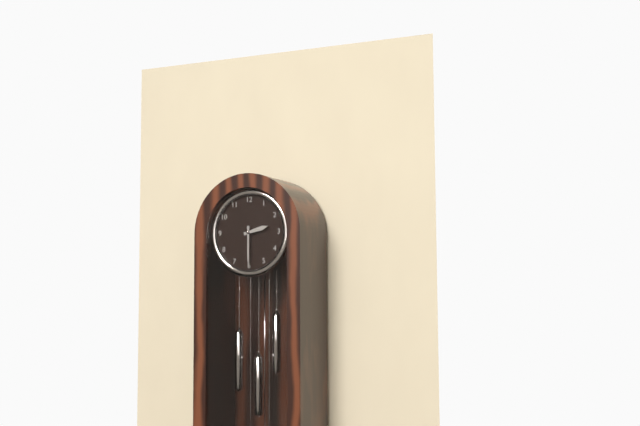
2:30
